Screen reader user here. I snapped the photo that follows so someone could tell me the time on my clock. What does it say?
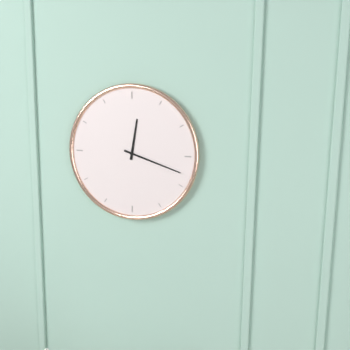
12:18
